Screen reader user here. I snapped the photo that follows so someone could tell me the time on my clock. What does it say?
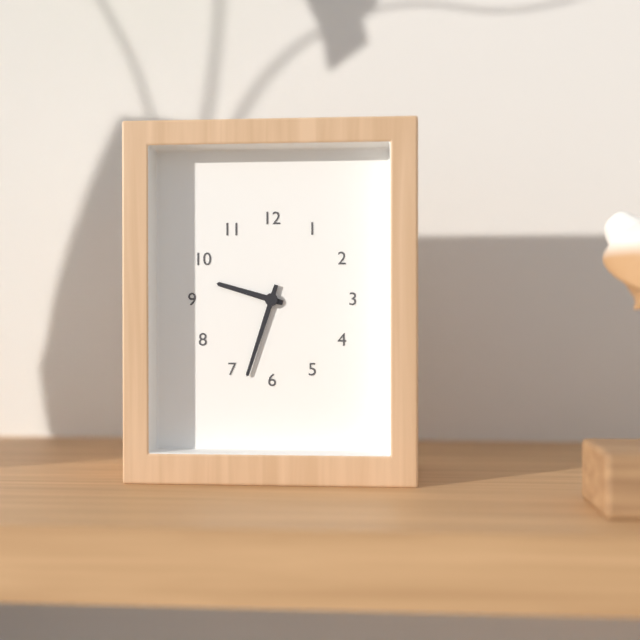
9:33
